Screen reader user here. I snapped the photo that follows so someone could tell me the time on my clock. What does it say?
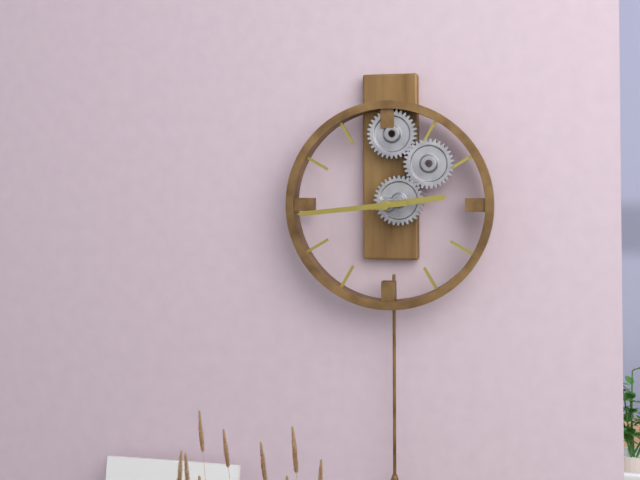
2:44
